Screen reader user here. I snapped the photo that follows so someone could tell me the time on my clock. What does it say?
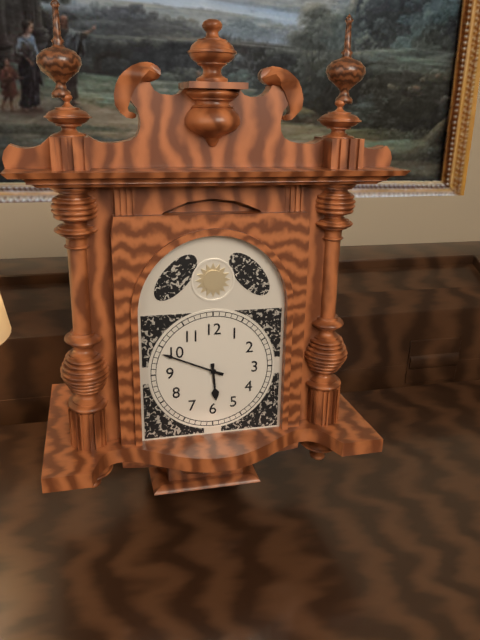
5:49
